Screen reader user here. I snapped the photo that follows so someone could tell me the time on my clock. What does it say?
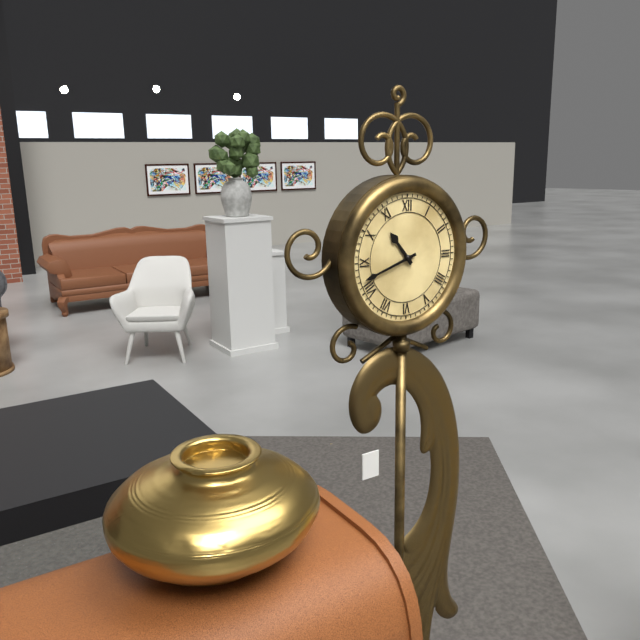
10:42
